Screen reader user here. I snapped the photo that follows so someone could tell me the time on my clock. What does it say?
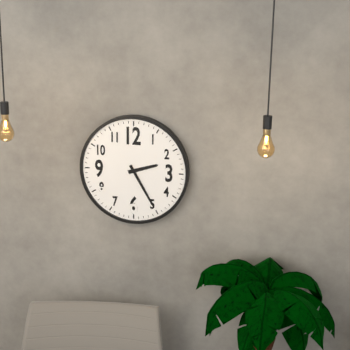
2:25
